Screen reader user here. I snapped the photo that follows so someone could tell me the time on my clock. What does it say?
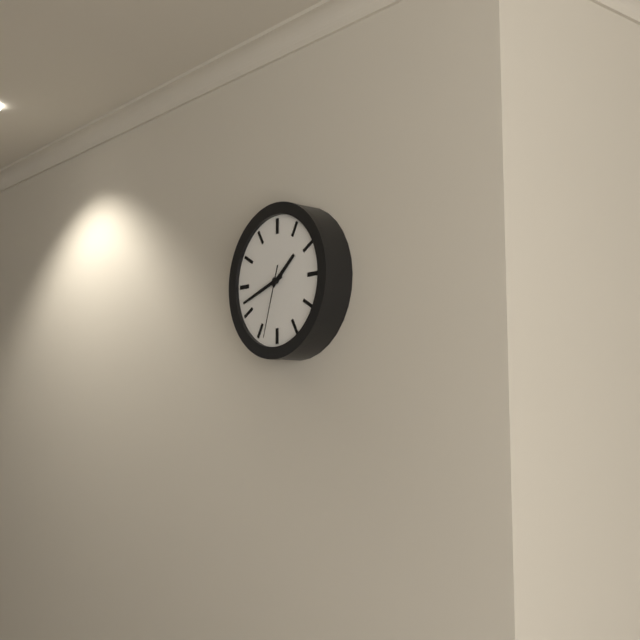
1:42:33
